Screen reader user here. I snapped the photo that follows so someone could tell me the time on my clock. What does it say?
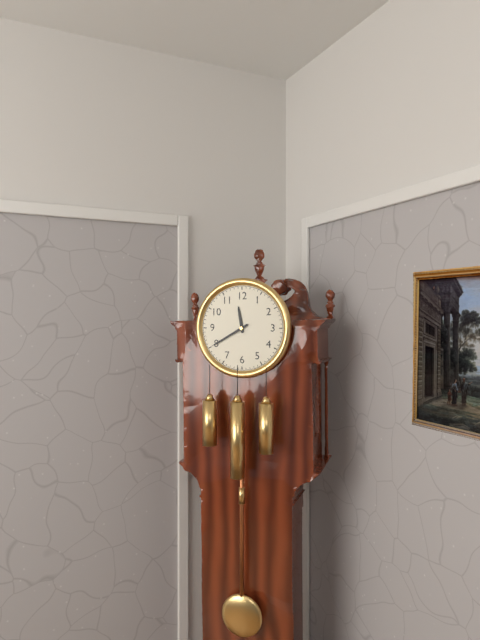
11:40
